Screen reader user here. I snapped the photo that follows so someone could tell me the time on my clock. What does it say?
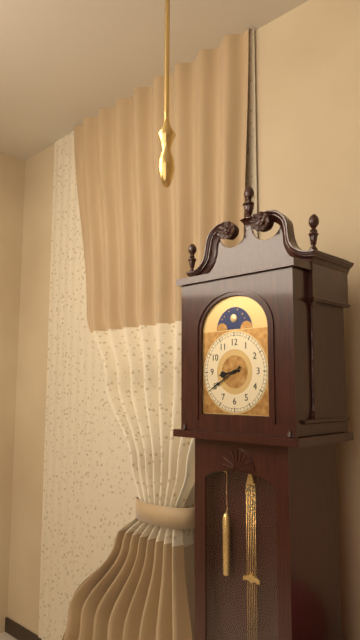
8:40
